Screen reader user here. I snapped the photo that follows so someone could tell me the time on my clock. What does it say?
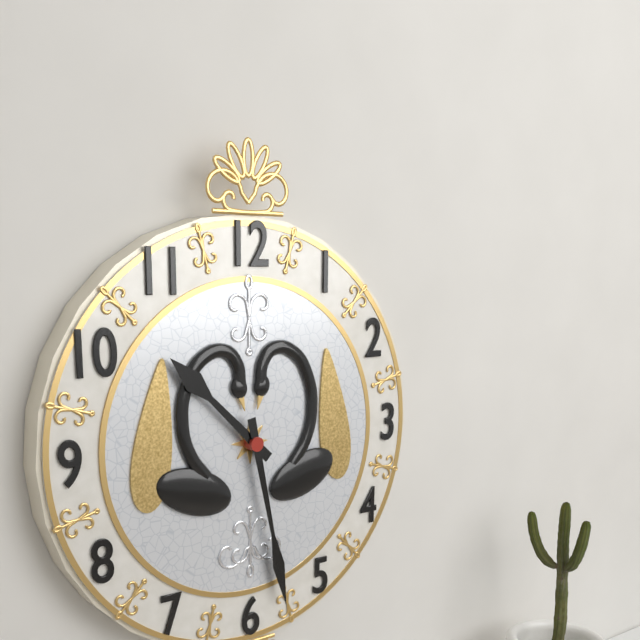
10:28
